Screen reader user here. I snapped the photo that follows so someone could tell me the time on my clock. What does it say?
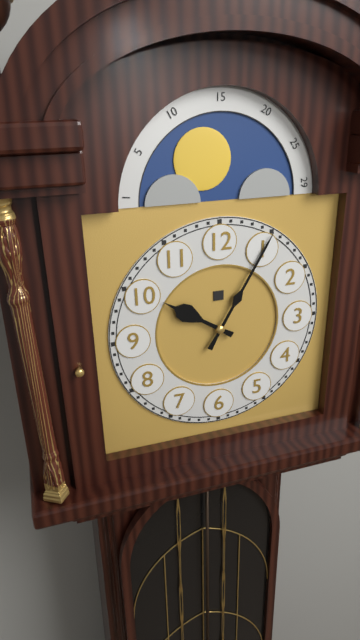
10:05
